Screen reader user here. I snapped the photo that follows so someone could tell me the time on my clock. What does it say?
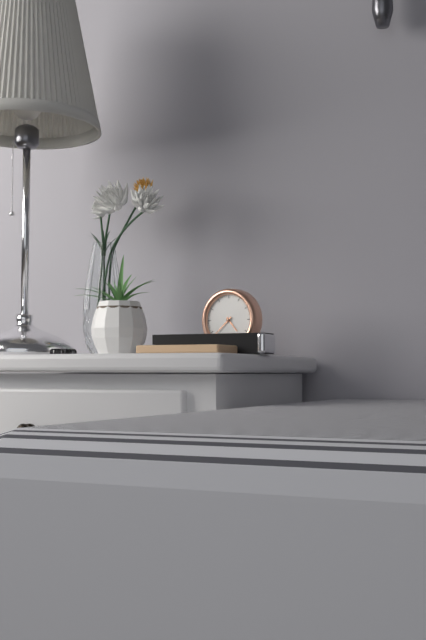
4:38
